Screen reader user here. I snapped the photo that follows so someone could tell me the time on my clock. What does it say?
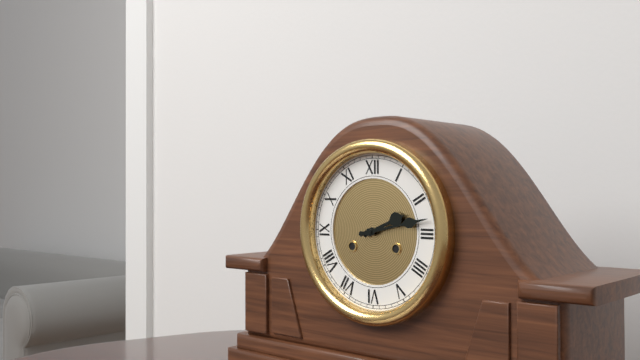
2:13
